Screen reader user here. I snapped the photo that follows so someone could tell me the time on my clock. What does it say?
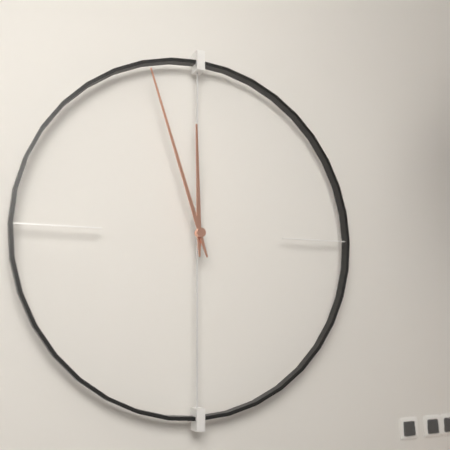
11:57
